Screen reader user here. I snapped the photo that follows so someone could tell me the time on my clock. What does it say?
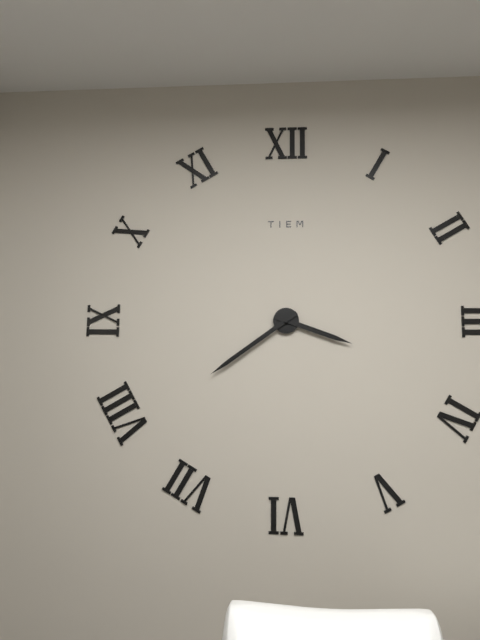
3:39
